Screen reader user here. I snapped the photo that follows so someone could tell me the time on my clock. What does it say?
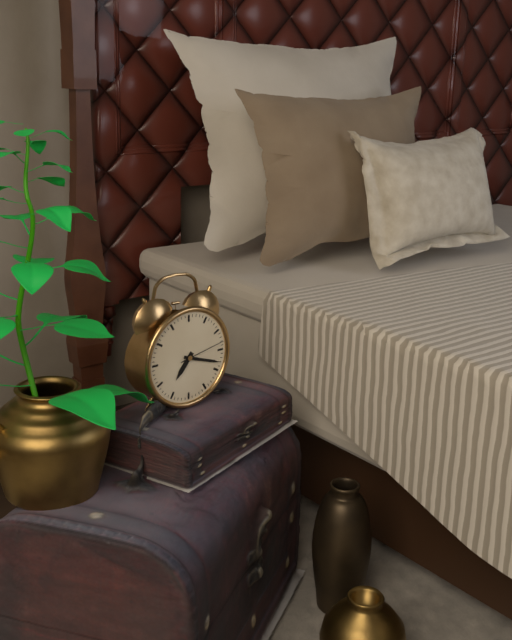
7:18
